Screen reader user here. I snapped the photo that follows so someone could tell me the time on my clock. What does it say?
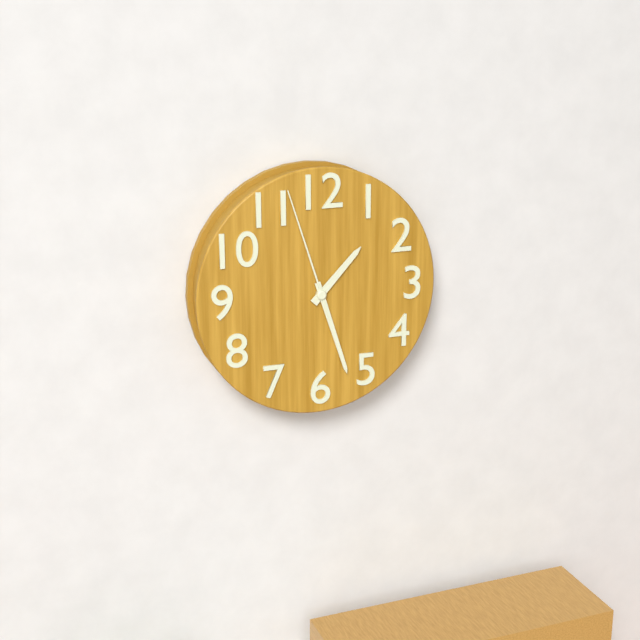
1:27:57
